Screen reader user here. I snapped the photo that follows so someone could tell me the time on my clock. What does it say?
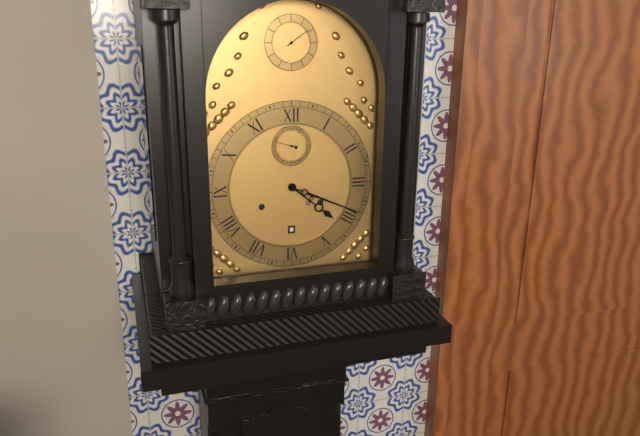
4:19
